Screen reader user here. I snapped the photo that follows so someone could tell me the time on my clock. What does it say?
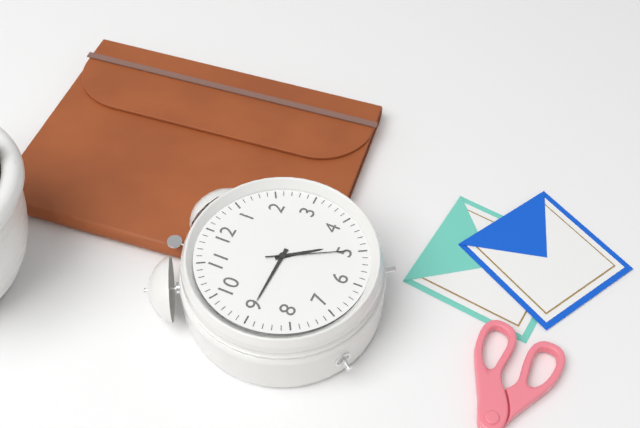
4:45:25
